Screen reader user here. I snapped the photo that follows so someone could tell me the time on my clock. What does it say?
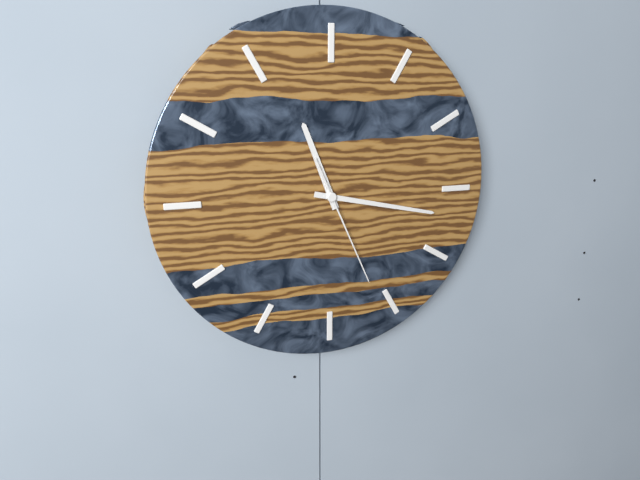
11:17:26
